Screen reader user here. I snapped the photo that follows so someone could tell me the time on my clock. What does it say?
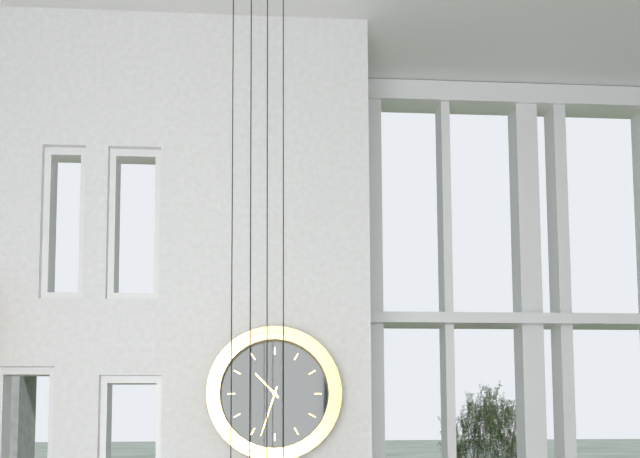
10:33
